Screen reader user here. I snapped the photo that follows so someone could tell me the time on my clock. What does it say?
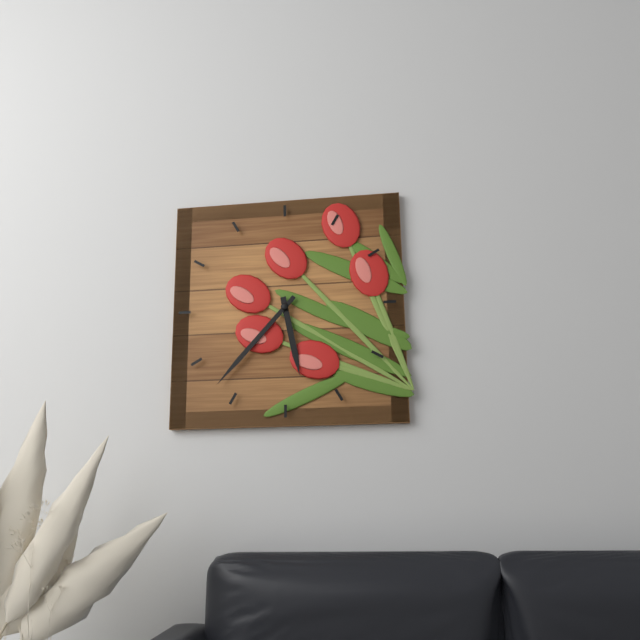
5:37
